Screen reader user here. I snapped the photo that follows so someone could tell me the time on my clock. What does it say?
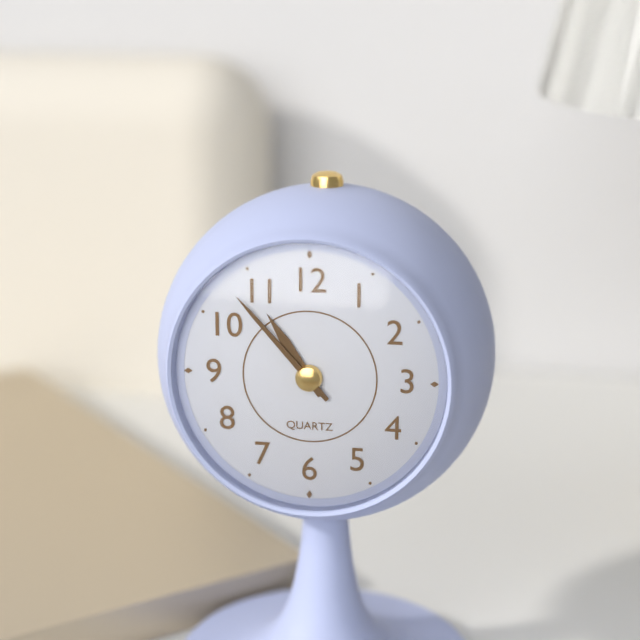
10:53
